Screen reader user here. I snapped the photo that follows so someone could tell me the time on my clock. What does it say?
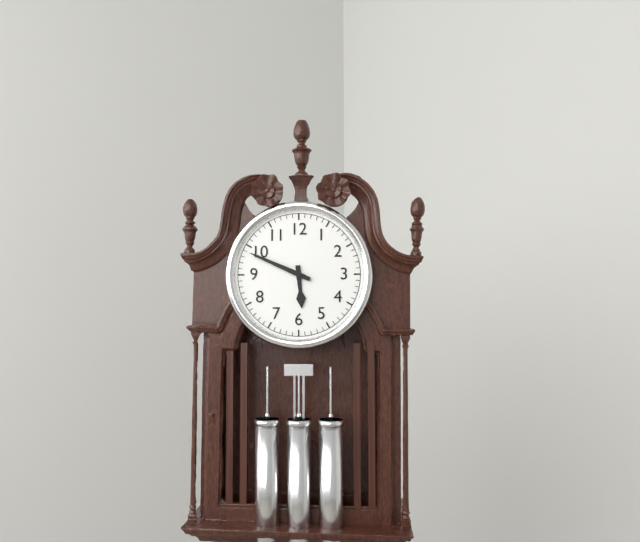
5:49
